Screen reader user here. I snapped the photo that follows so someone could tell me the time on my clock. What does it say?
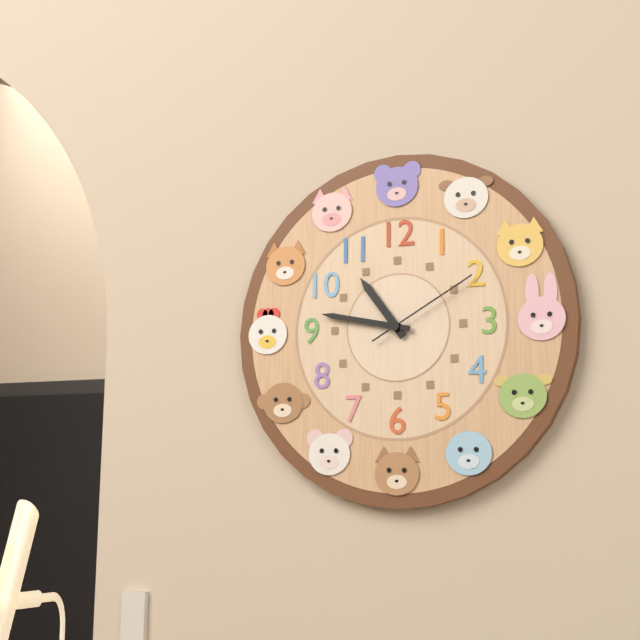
10:47:10
